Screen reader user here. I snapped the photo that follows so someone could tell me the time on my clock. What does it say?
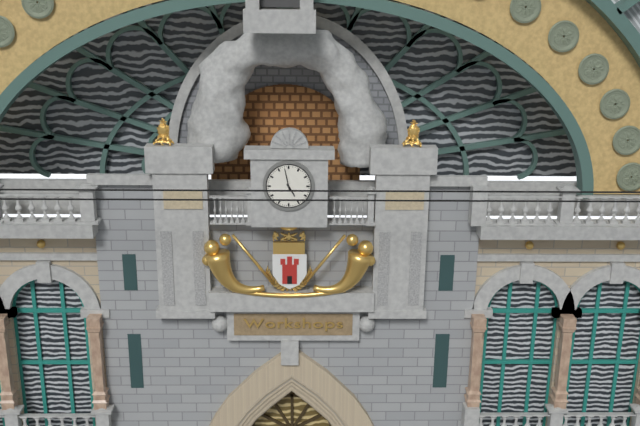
4:58
